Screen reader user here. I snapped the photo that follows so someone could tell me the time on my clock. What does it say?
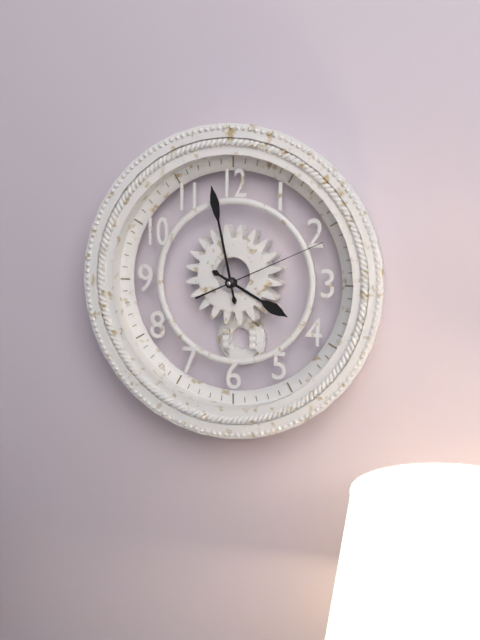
3:58:11
